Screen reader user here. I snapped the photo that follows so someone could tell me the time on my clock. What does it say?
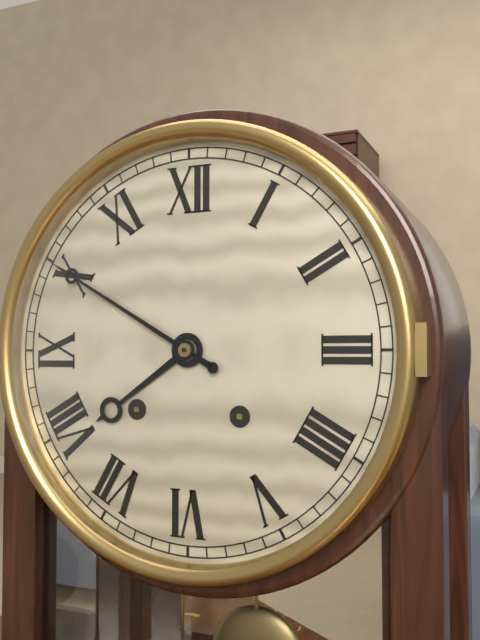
7:50
